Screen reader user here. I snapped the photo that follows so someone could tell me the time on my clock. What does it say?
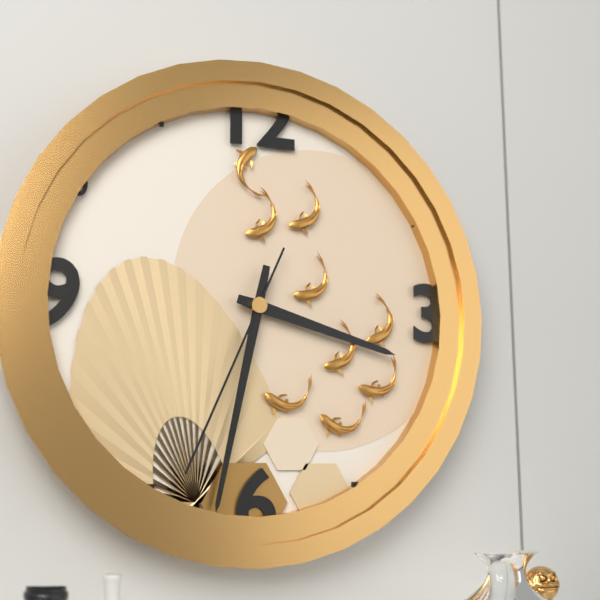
3:32:34
